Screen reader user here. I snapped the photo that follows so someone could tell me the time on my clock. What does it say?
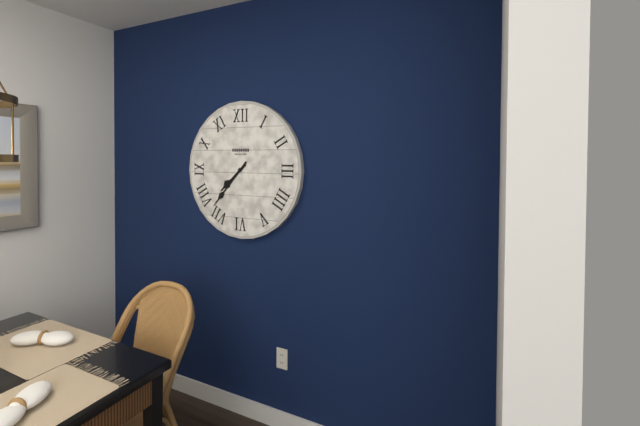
7:37
